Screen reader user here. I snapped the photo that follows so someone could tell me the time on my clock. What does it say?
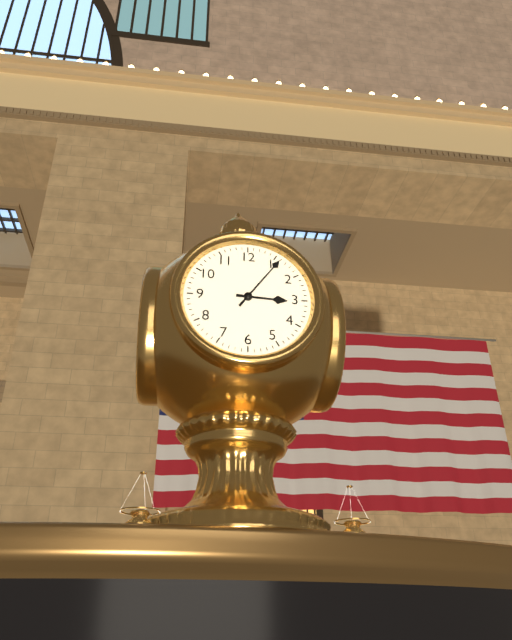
3:06
